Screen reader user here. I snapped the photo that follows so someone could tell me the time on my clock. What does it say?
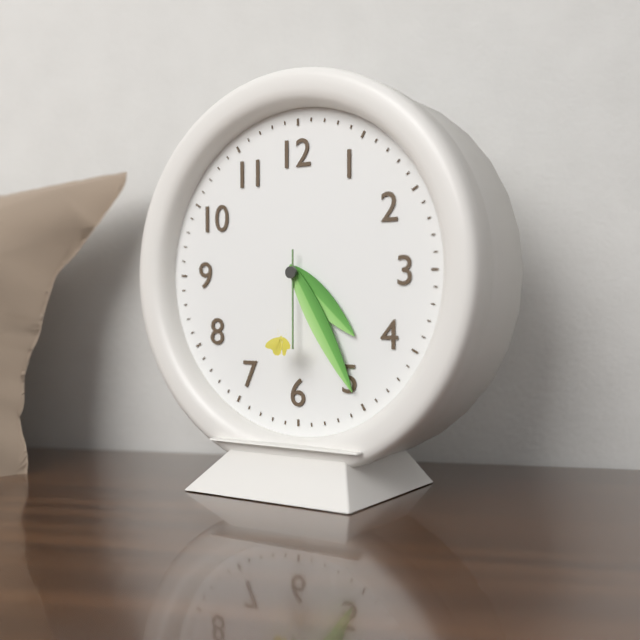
4:25:30
